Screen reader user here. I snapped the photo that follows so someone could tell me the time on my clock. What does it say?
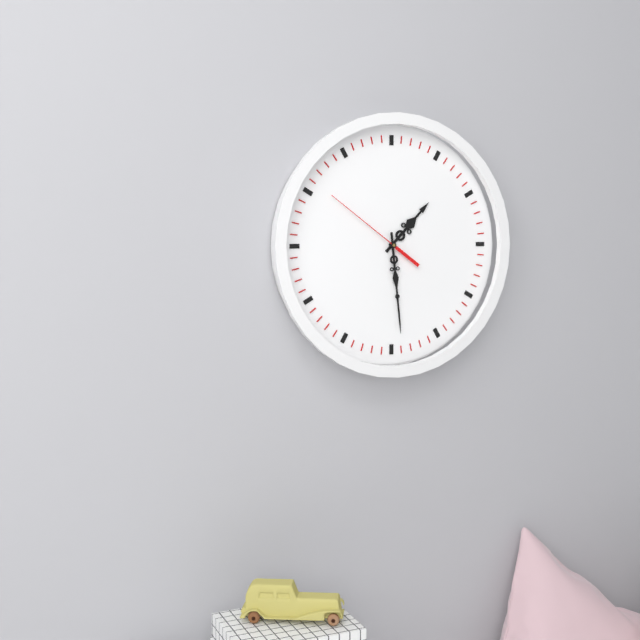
1:29:51
